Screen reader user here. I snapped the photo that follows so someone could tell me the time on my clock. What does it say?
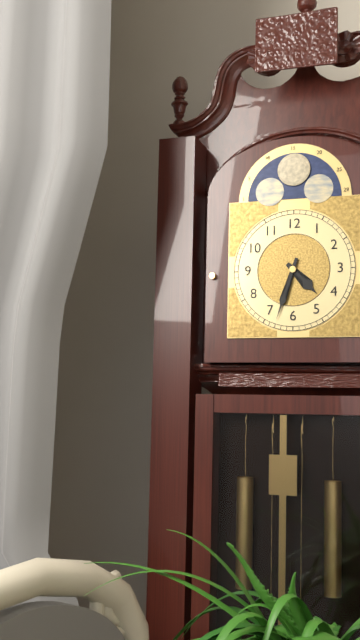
4:33
